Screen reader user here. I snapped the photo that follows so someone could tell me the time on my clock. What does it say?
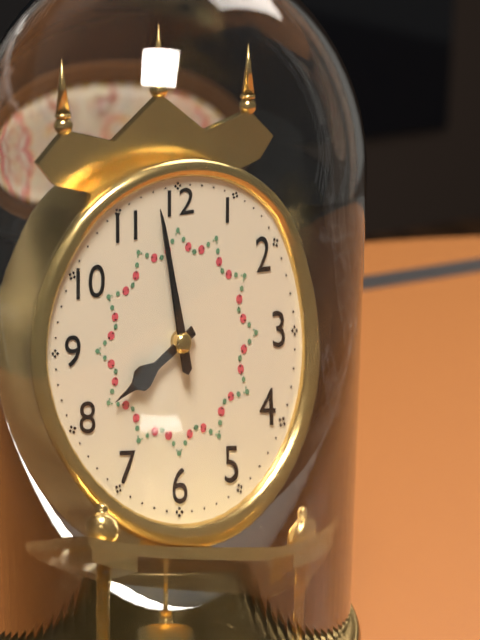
7:58
